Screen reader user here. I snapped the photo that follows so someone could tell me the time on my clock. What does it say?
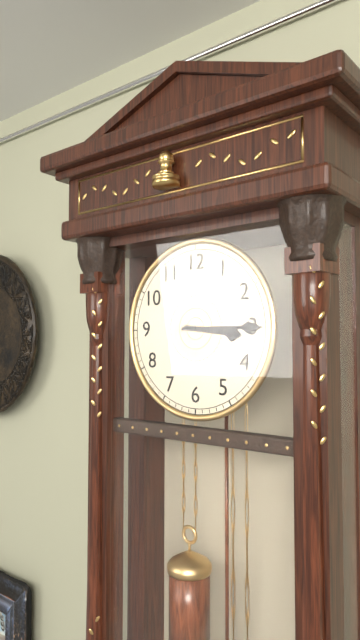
3:15
